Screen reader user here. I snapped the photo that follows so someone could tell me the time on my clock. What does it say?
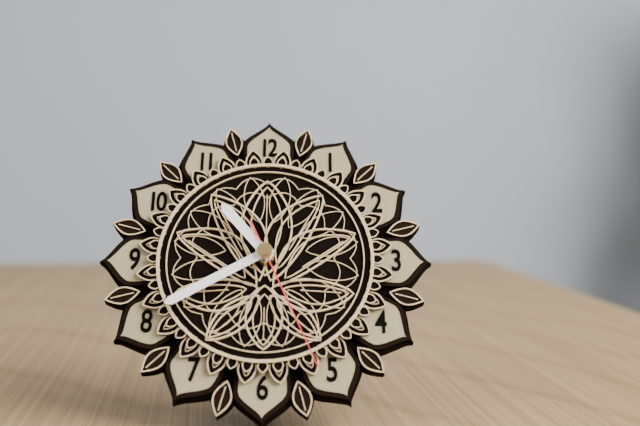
10:40:26
